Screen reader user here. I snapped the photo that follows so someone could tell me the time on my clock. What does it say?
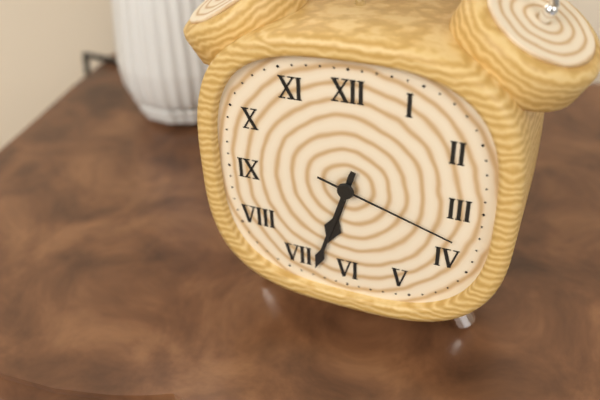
6:33:18
